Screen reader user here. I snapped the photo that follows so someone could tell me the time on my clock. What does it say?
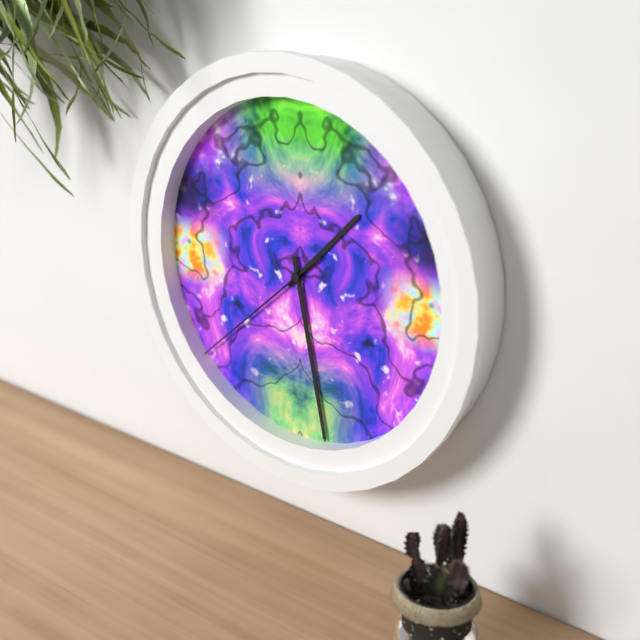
1:28:38
